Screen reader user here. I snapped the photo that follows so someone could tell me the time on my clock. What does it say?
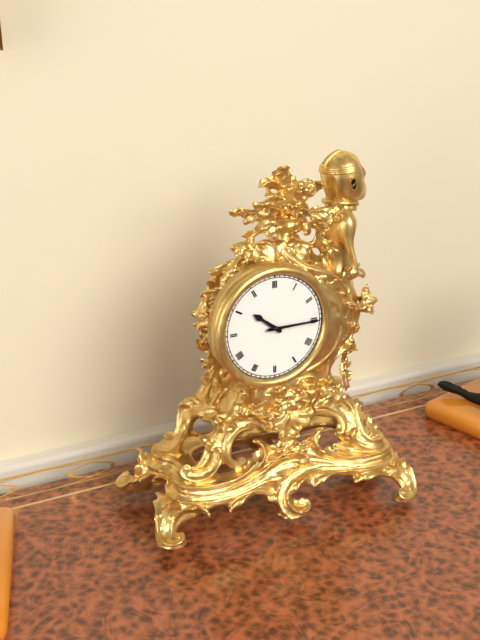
10:15
